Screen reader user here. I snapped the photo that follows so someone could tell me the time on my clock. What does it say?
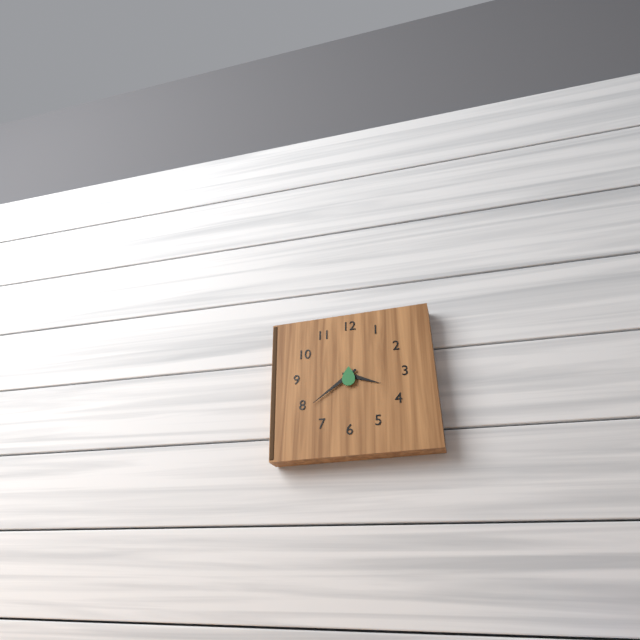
3:39
